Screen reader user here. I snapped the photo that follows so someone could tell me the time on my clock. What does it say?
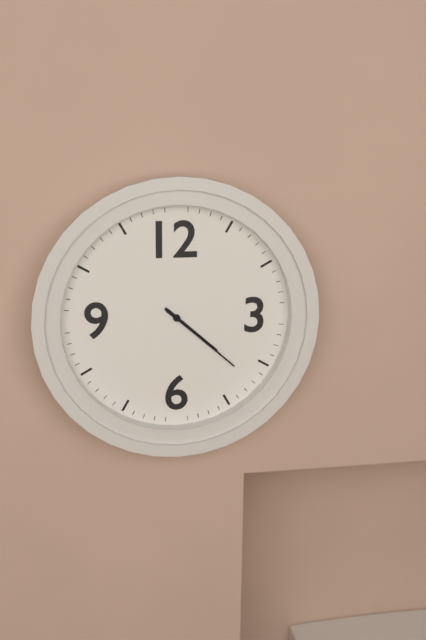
4:22
